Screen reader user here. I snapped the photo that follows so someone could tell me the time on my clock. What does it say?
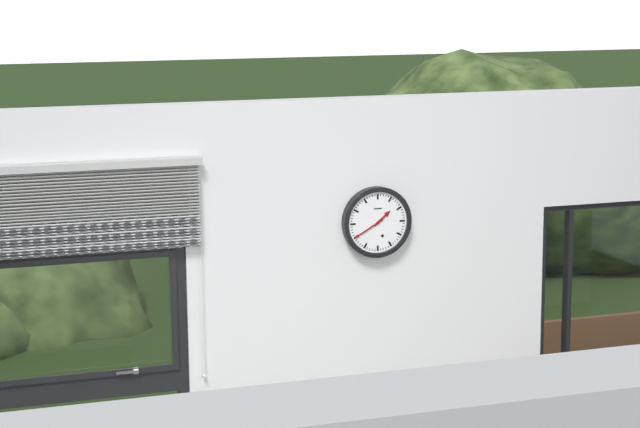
1:40
